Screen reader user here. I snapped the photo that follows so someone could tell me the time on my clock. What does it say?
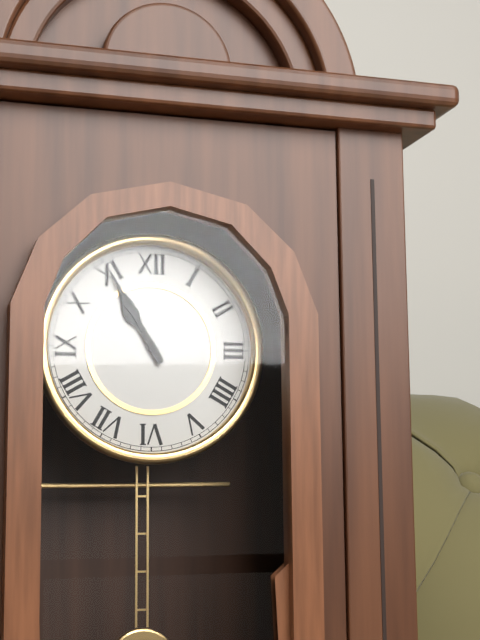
10:55
